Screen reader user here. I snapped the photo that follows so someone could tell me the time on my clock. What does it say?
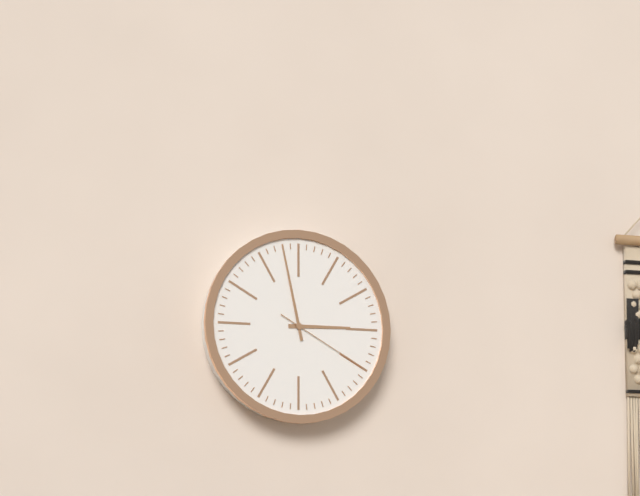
2:58:20
